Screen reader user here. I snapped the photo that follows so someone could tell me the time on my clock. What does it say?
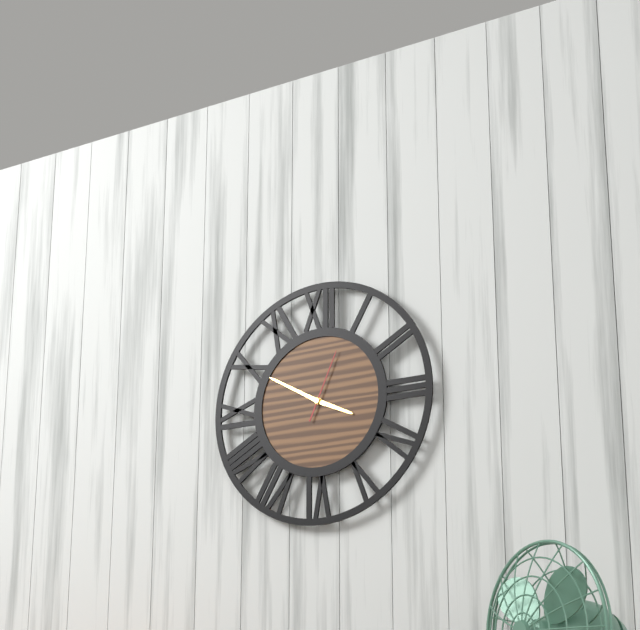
3:50:04
